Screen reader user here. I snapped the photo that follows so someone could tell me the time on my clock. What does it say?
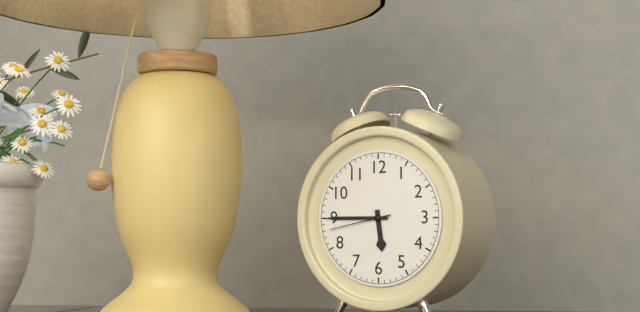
5:45:43
